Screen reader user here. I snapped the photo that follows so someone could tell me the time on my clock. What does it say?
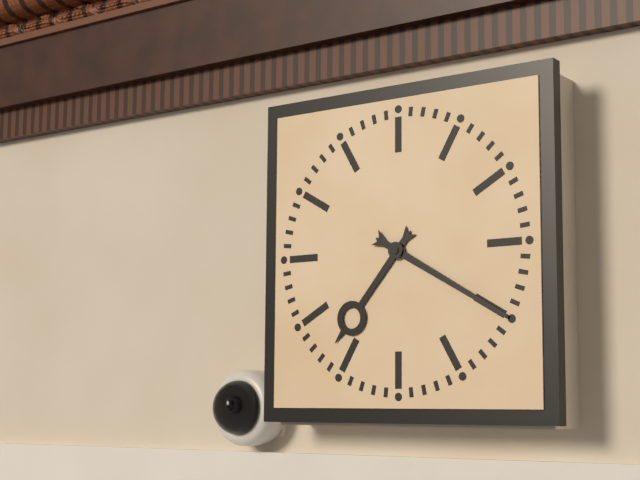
7:20
